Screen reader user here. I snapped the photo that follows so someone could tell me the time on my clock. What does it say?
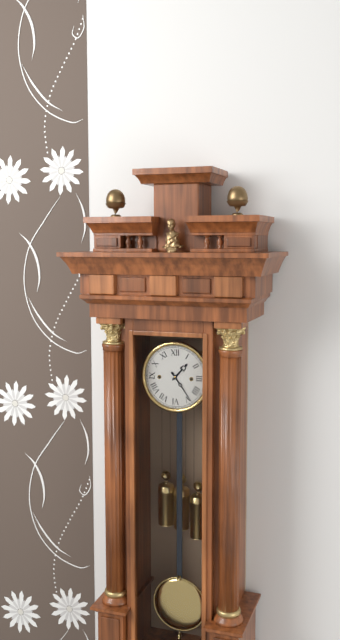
1:24
